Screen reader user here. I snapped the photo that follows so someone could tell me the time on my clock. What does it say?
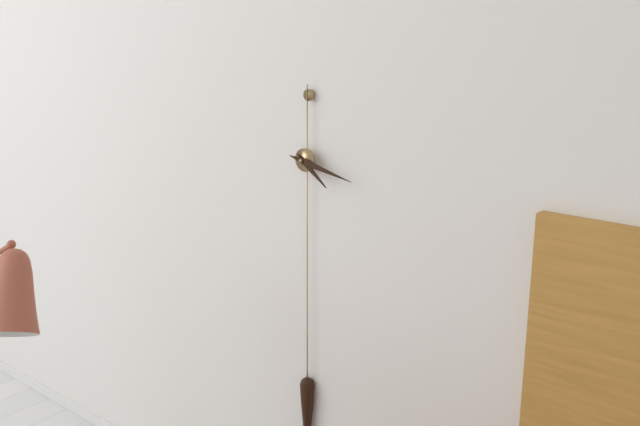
4:17
